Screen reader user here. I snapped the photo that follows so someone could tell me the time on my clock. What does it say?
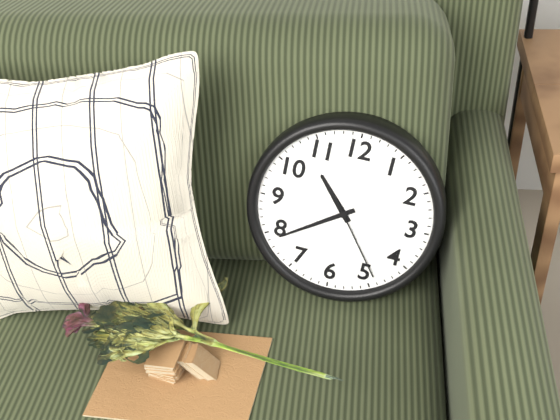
10:39:24
